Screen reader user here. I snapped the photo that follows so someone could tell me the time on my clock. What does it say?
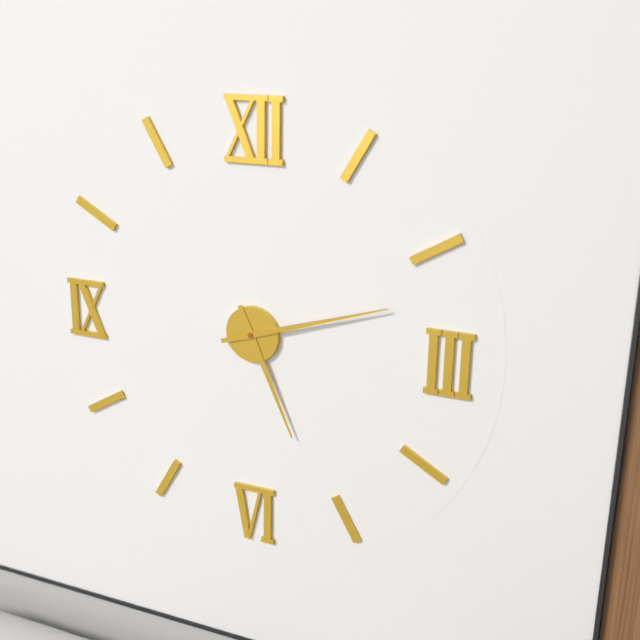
5:12
